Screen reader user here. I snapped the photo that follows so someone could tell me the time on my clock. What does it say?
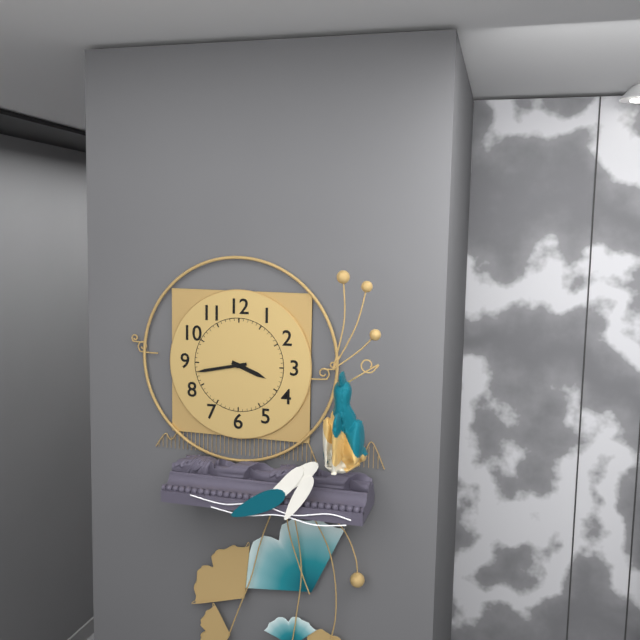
3:43
